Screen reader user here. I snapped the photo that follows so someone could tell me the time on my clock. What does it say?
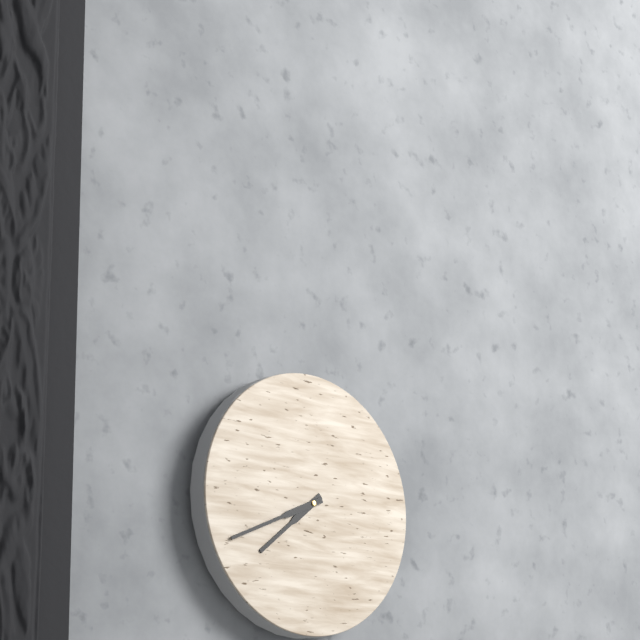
7:41
